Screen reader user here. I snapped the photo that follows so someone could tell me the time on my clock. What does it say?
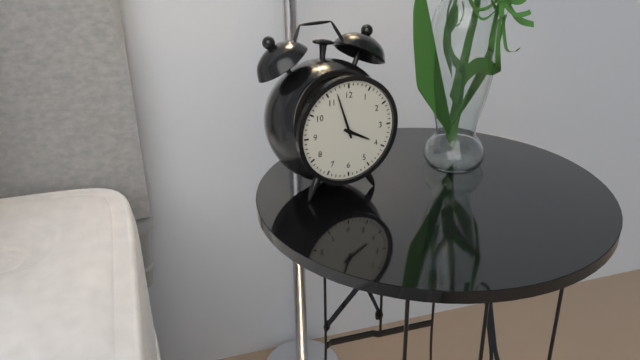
3:57
